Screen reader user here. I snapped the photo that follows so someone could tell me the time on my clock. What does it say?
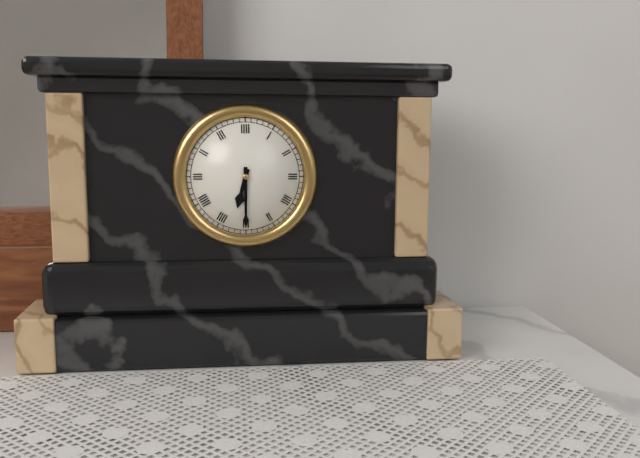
6:30
